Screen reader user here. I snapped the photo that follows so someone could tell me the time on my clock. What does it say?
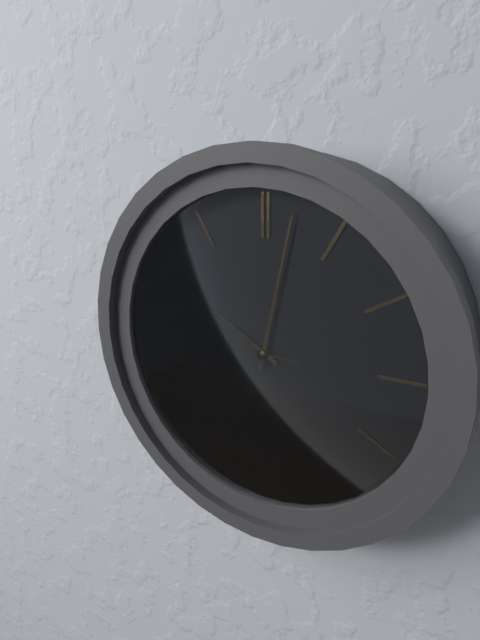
10:02:45
